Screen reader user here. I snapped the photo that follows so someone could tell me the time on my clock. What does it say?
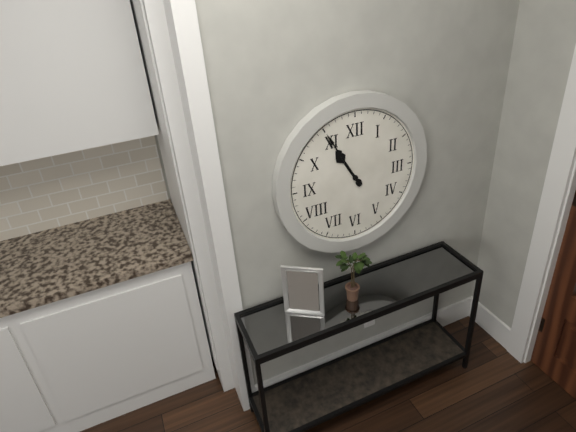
10:55
